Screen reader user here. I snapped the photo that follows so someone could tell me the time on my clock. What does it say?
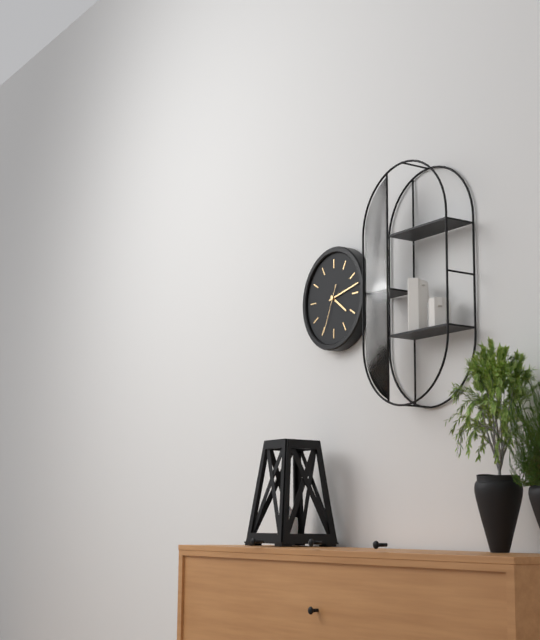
4:13
